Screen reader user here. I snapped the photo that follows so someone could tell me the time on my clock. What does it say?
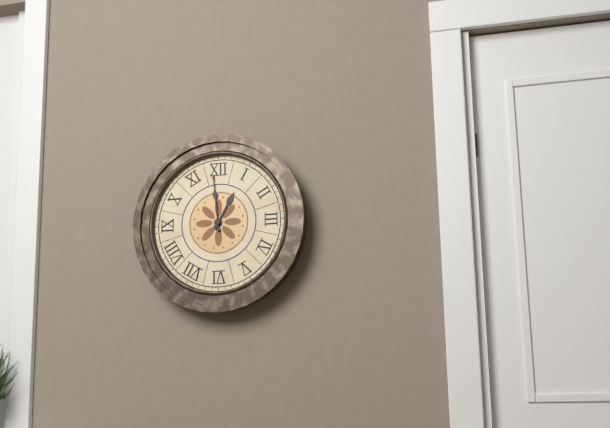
12:59
